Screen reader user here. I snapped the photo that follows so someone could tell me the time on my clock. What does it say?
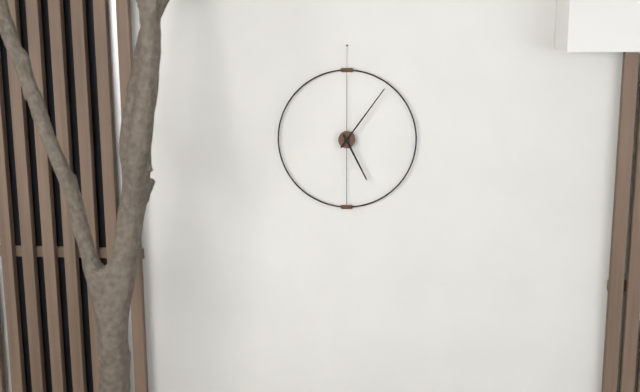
5:06
